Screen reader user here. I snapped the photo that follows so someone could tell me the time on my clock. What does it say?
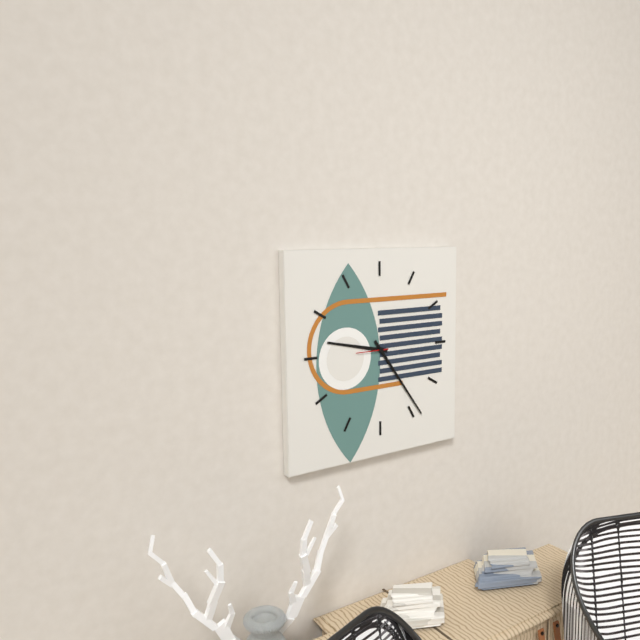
9:24
